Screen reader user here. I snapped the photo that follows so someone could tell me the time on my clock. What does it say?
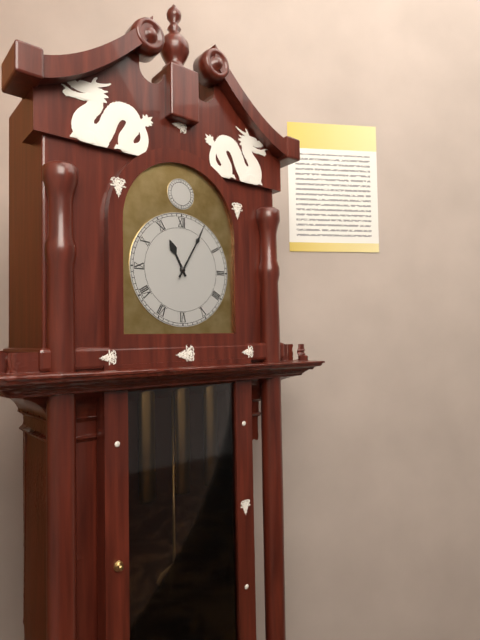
11:05
